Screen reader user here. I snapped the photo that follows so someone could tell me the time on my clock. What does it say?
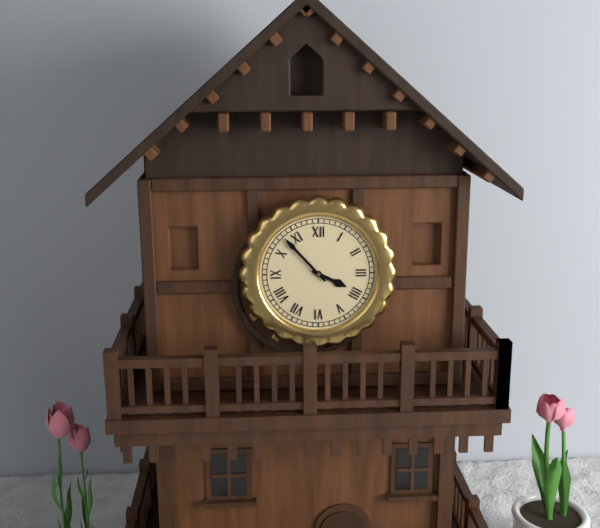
3:53
